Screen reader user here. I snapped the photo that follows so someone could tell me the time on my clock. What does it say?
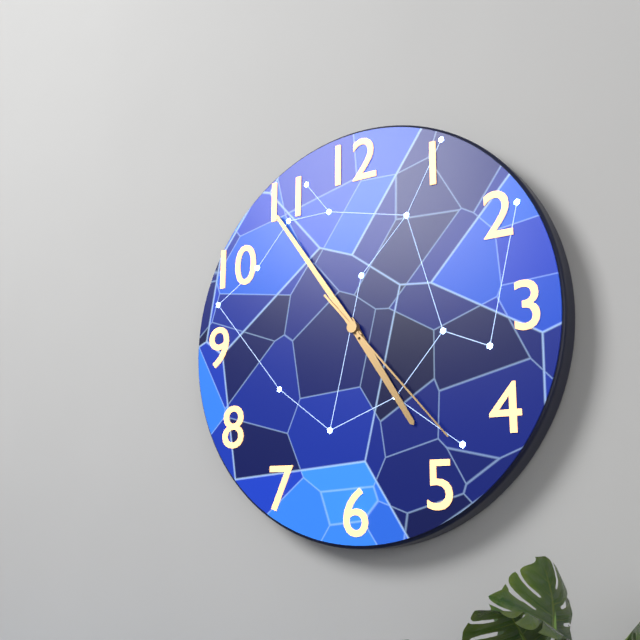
4:54:23
